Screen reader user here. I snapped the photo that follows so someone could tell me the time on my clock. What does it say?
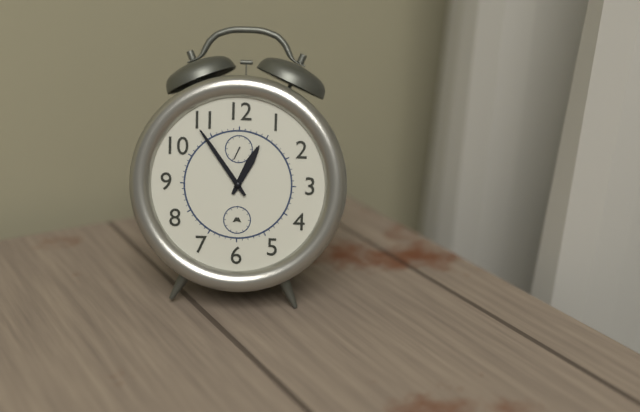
12:54
